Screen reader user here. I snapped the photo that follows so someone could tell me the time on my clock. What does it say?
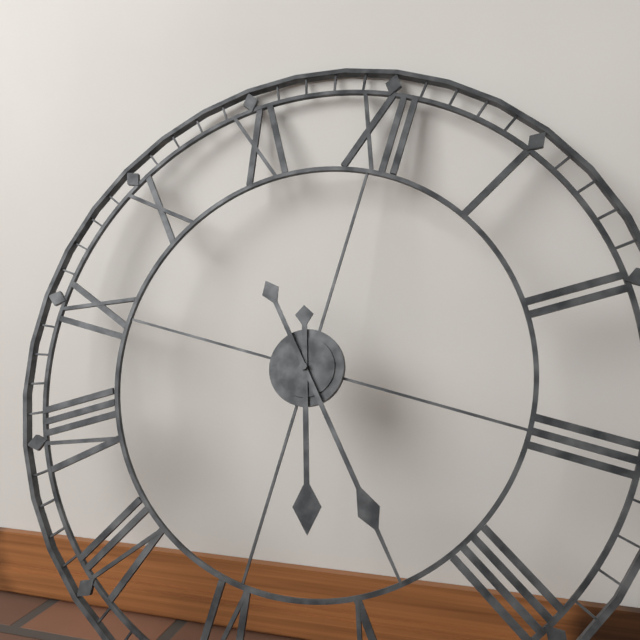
5:23
